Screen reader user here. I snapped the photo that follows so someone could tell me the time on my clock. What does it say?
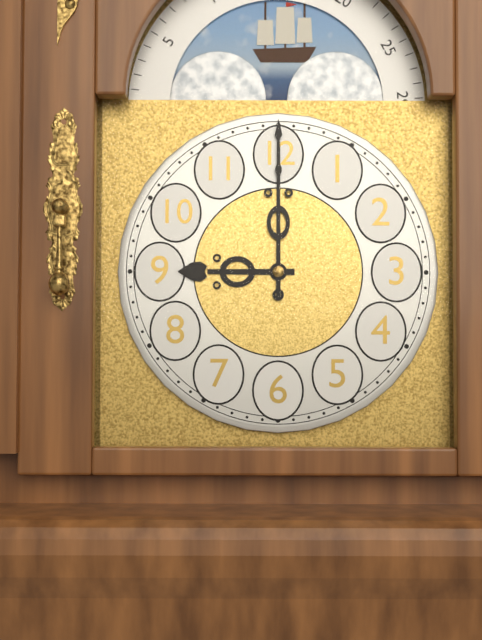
9:00
